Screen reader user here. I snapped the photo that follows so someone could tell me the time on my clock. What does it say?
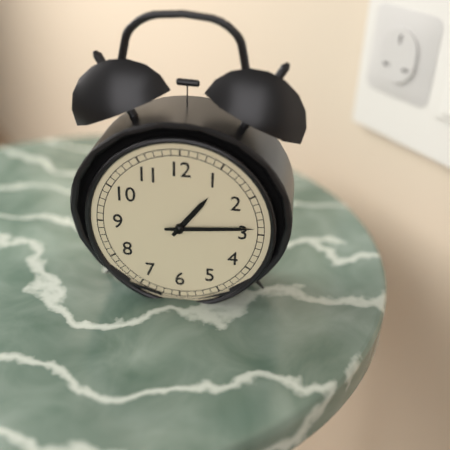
1:14
